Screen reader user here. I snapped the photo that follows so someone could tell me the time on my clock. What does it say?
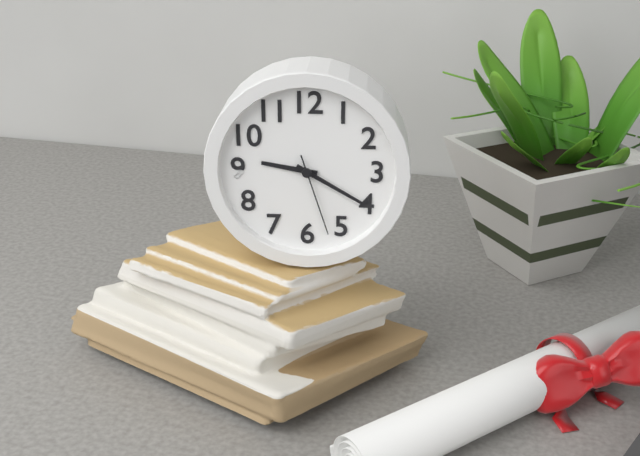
9:20:27
